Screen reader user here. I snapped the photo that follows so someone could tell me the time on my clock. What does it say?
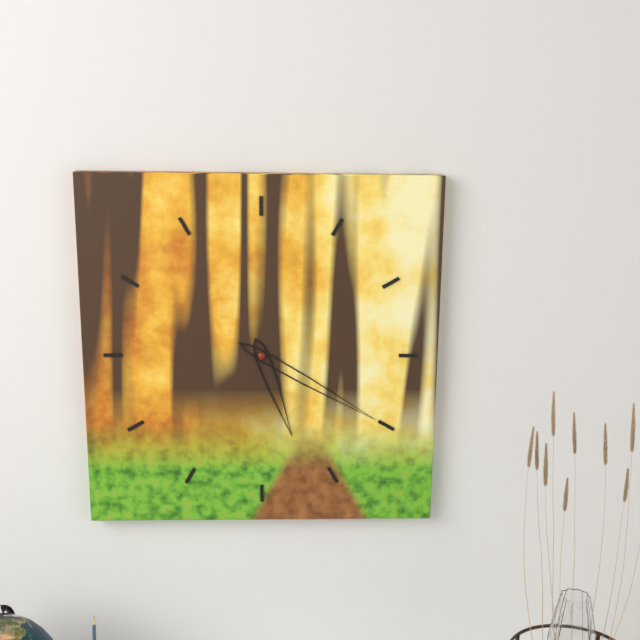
5:20
